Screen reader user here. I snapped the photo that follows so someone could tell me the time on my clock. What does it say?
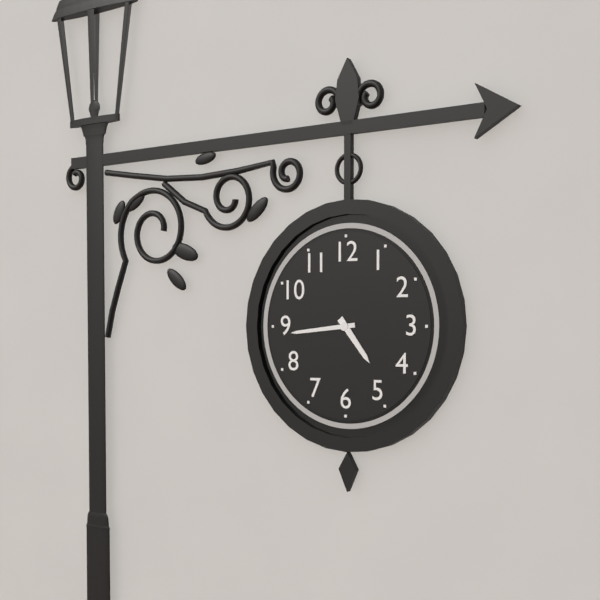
4:44
